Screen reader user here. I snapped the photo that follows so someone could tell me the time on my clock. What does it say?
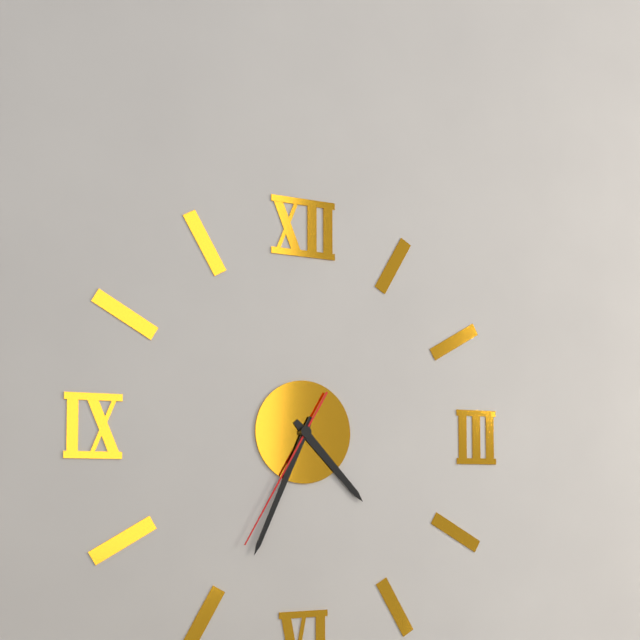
4:34:35
